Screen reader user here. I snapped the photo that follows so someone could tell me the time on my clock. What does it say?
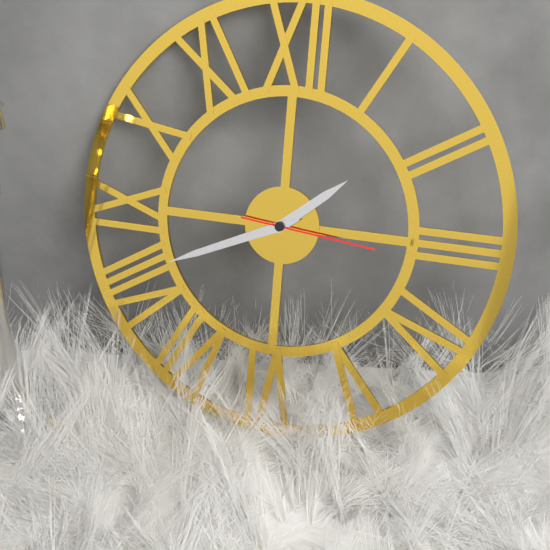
1:41:16
